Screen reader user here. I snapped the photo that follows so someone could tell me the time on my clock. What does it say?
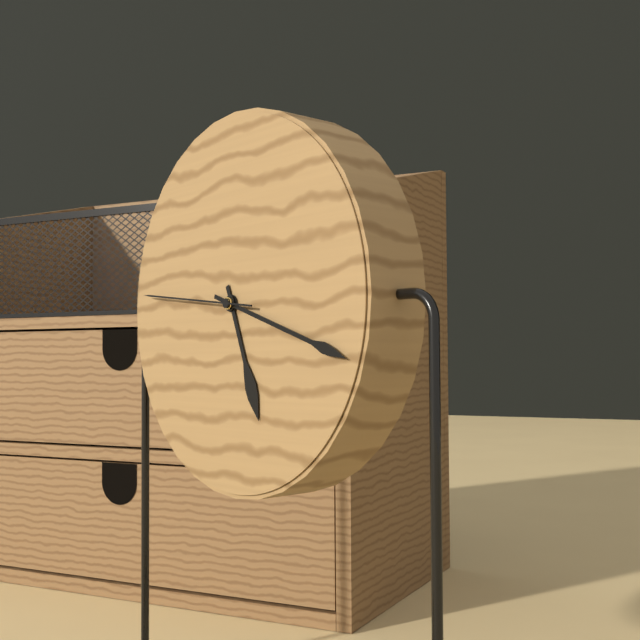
5:18:46
